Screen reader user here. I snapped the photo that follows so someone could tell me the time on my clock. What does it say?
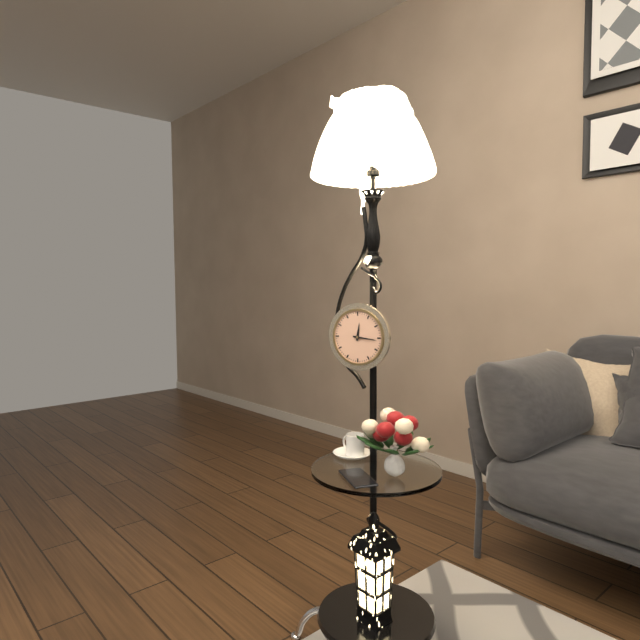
12:16
